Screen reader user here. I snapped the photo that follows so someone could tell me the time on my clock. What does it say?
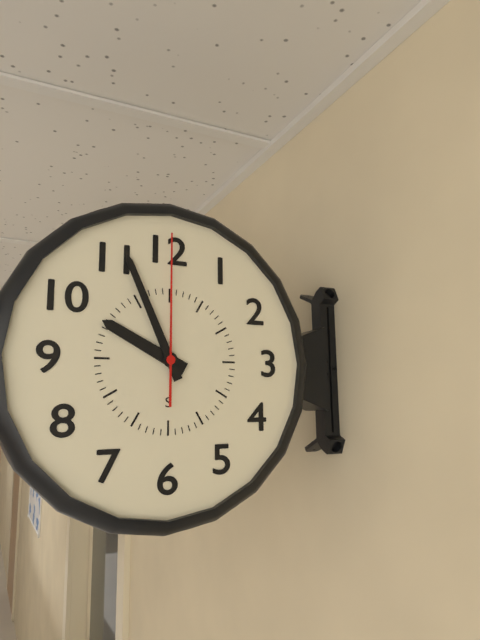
9:56:00
